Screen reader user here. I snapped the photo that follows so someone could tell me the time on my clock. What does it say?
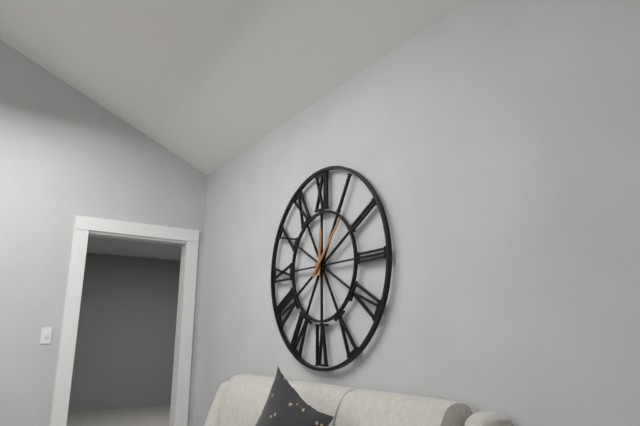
12:07
